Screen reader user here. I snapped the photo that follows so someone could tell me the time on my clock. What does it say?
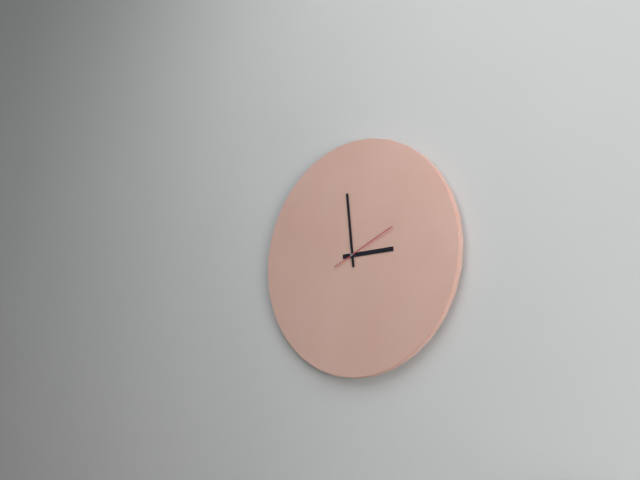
2:59:11
